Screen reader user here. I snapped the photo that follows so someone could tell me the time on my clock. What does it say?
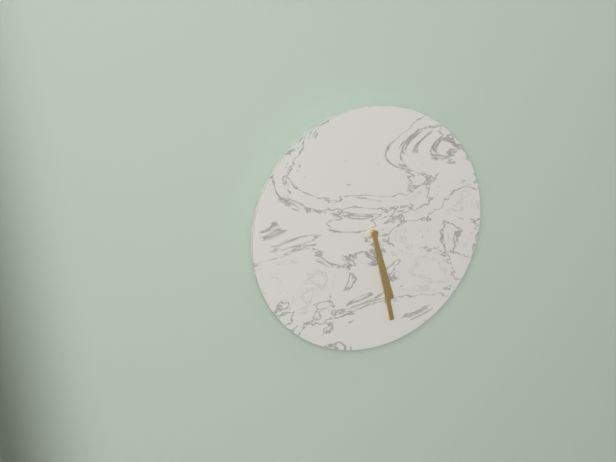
5:28
